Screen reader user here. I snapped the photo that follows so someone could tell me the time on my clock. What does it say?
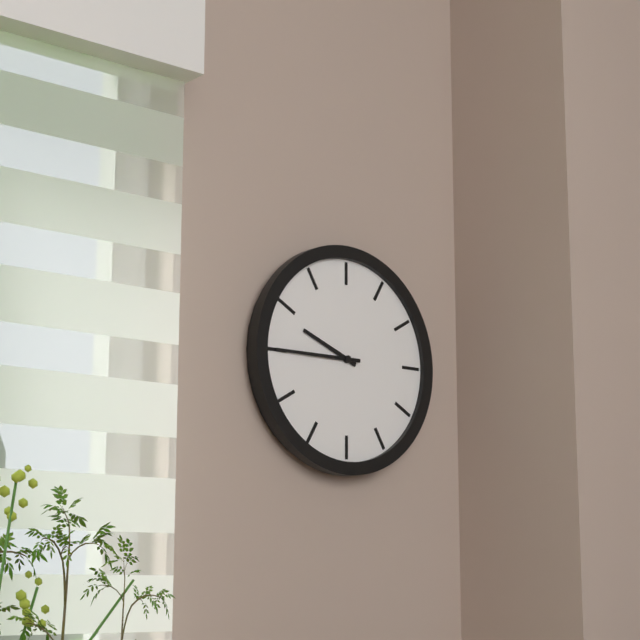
9:45
